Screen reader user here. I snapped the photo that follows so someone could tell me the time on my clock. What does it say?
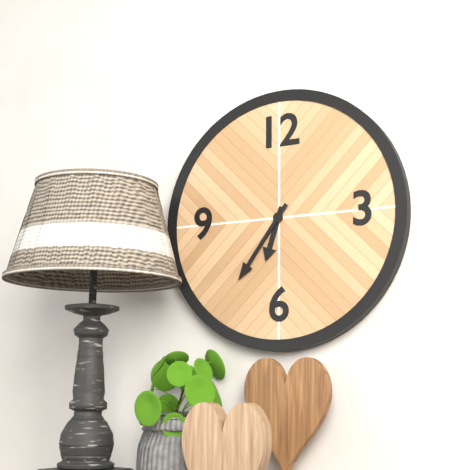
6:36
